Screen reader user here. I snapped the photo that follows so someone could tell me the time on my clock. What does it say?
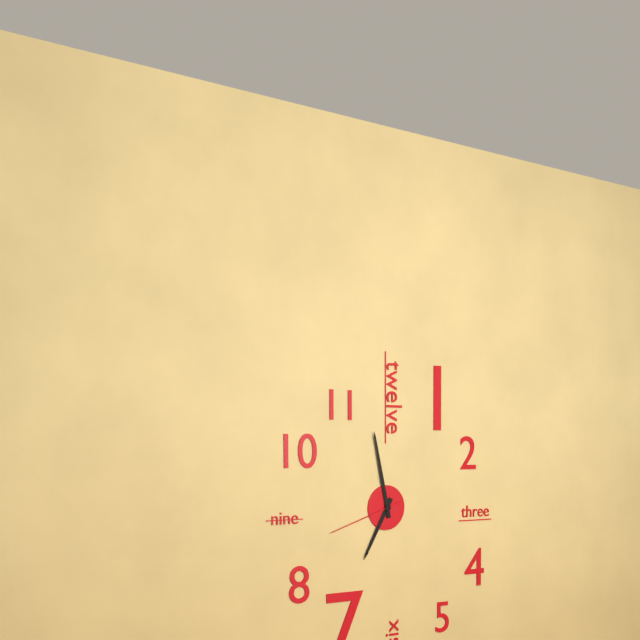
6:58:42
